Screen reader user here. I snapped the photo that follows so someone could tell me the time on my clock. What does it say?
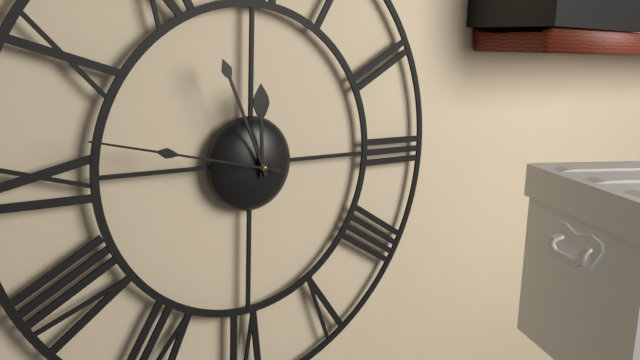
11:56:47
